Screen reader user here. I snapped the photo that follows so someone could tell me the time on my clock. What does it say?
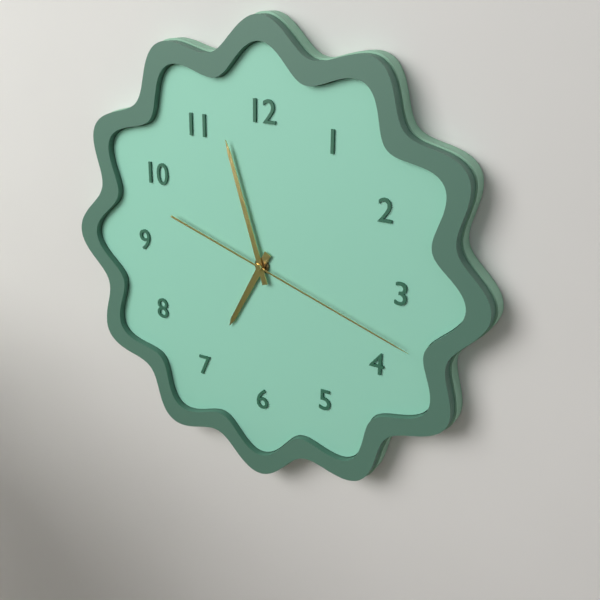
6:57:18
